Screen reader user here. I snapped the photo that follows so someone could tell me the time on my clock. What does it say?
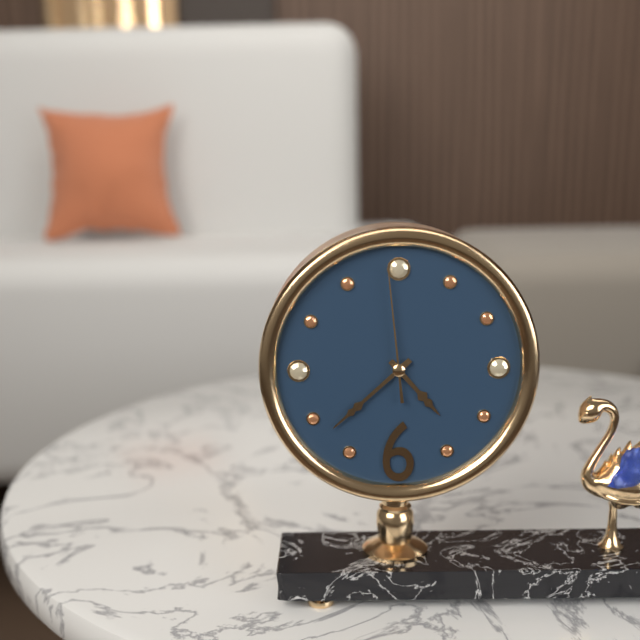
4:38:59
